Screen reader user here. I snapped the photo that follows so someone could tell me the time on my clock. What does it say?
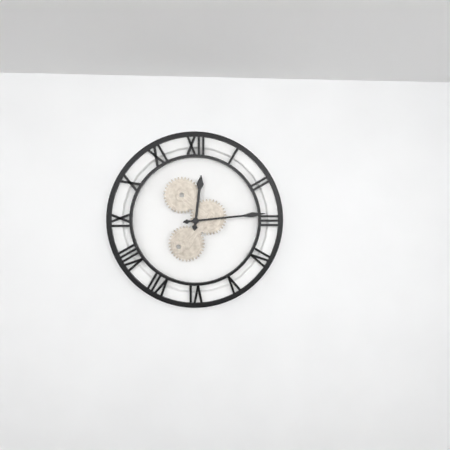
12:14
